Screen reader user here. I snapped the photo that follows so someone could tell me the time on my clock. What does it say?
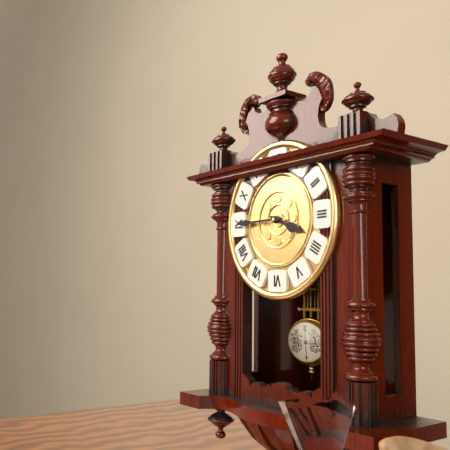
3:45
